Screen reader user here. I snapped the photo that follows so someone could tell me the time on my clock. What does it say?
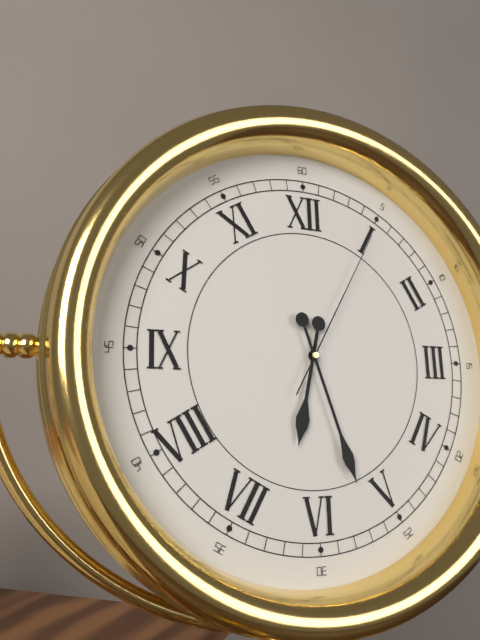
6:27:05
